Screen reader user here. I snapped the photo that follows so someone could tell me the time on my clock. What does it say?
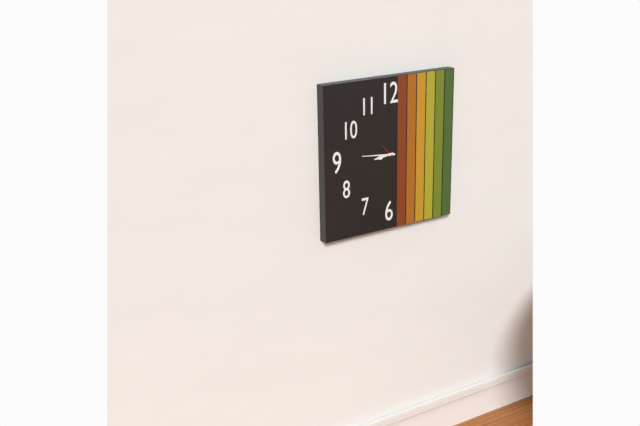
8:46
